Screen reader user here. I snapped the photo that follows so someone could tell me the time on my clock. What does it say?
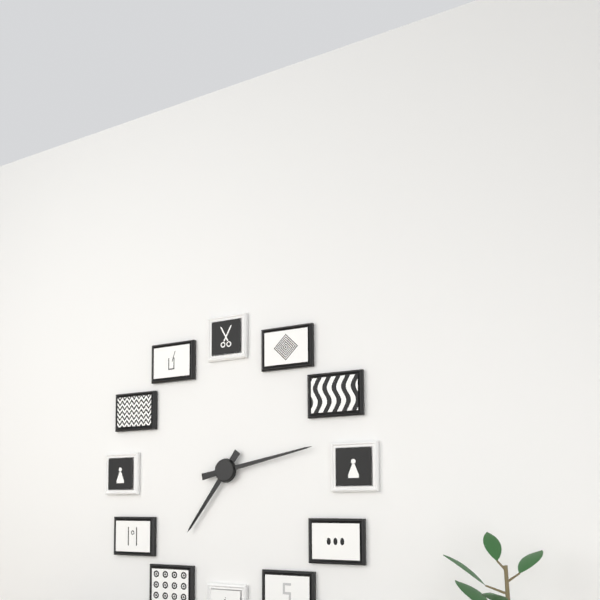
7:13
